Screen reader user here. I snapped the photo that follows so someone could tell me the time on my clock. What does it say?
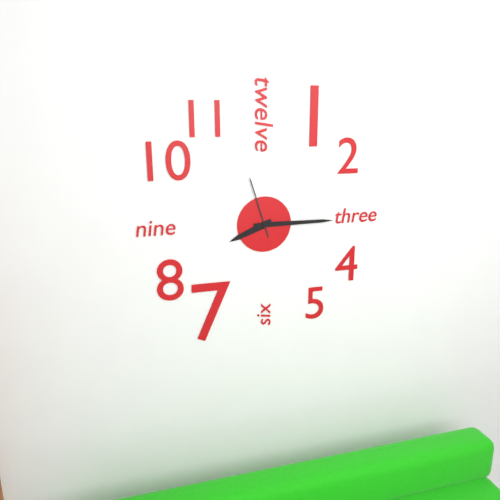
8:15:57
